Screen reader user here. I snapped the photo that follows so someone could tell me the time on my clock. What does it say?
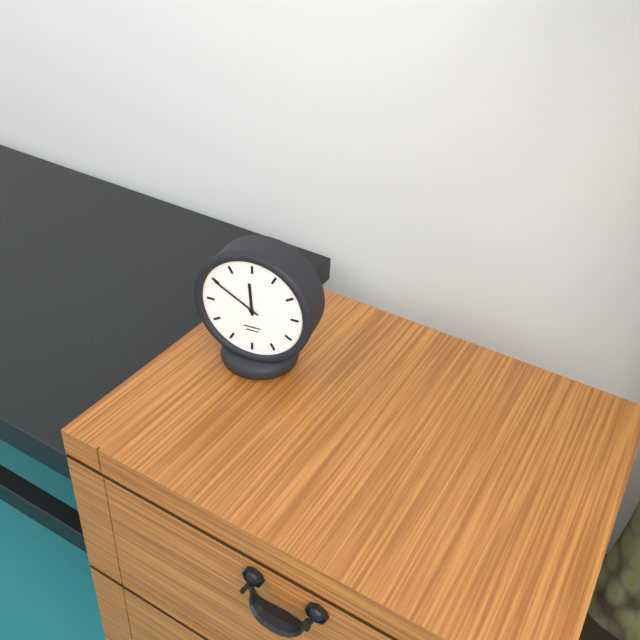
11:50
